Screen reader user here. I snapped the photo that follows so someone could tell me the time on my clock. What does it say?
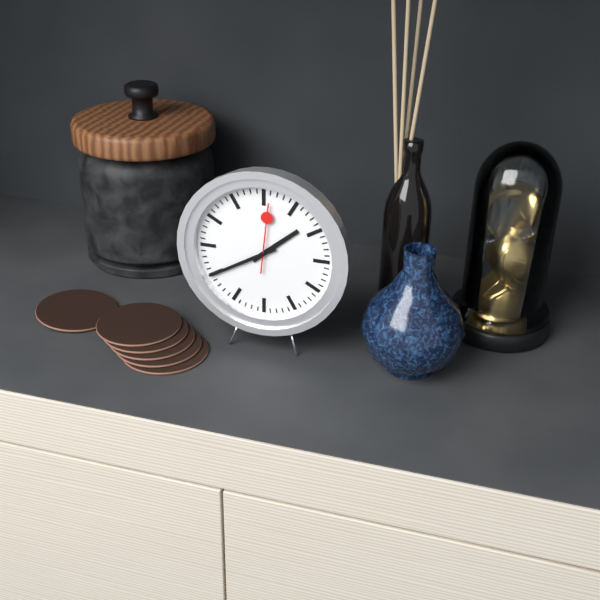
1:40:01
